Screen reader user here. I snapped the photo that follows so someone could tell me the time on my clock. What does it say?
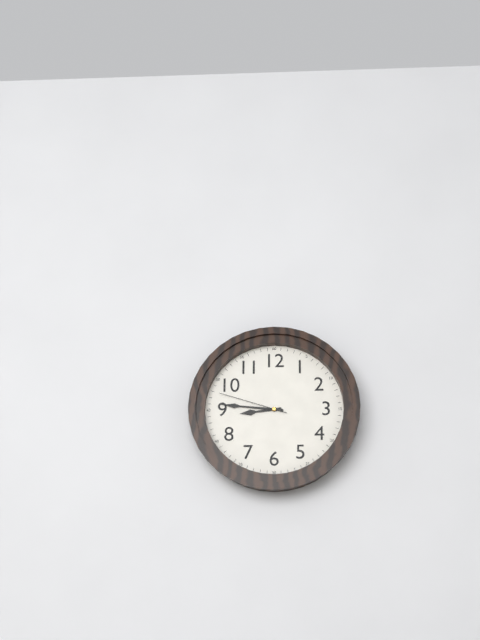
8:46:48
